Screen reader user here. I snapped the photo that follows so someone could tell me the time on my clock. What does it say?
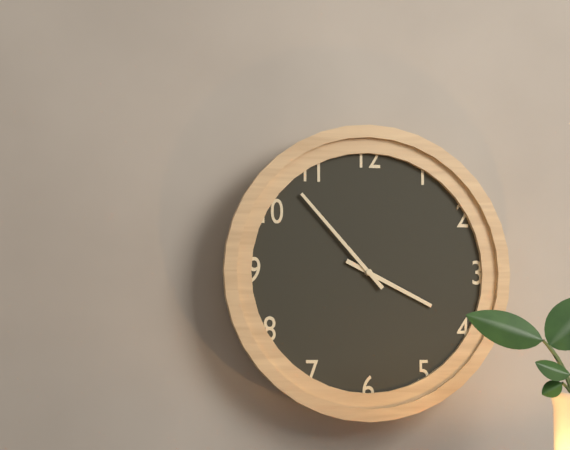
3:53
